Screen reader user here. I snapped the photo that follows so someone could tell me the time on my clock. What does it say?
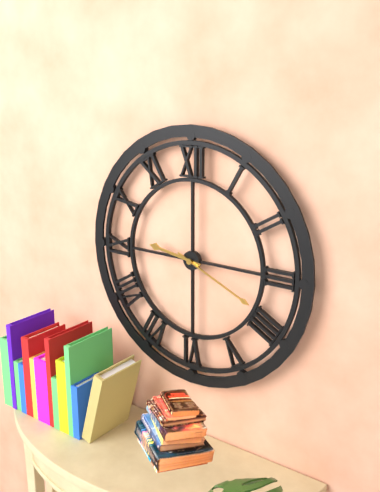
9:19
